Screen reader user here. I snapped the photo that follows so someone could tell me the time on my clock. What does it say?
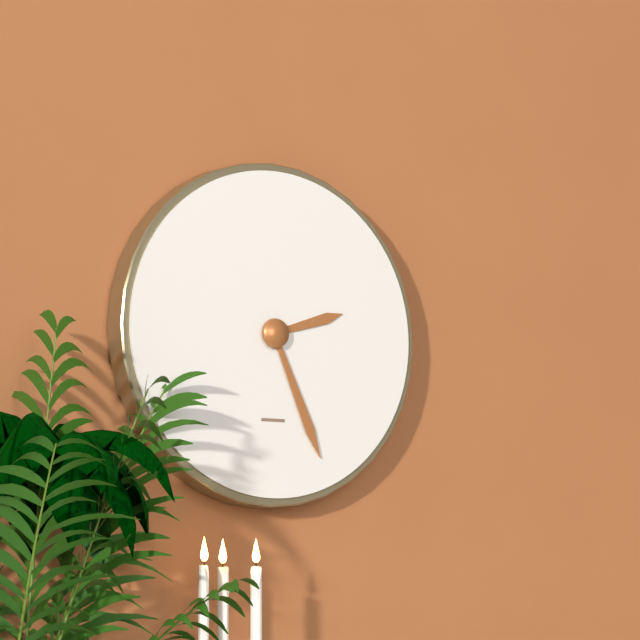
2:26
